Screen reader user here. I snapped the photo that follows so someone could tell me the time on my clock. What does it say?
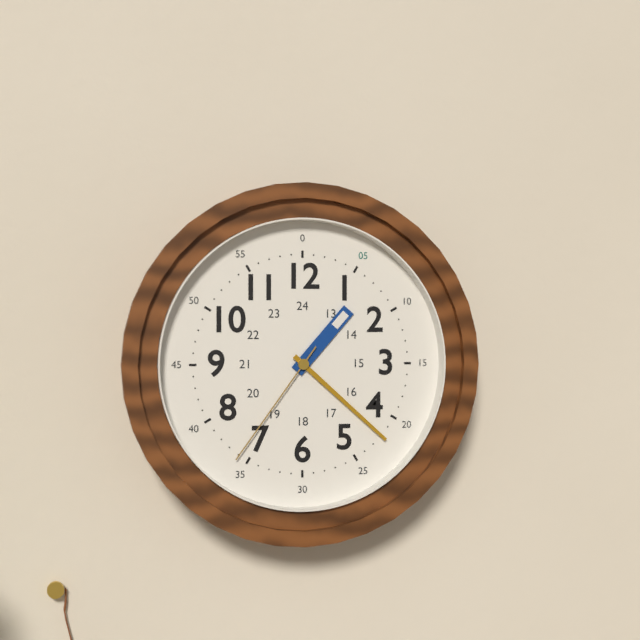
1:22:36
